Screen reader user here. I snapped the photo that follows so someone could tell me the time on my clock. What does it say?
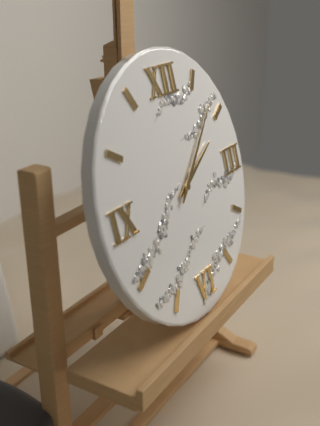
2:08
